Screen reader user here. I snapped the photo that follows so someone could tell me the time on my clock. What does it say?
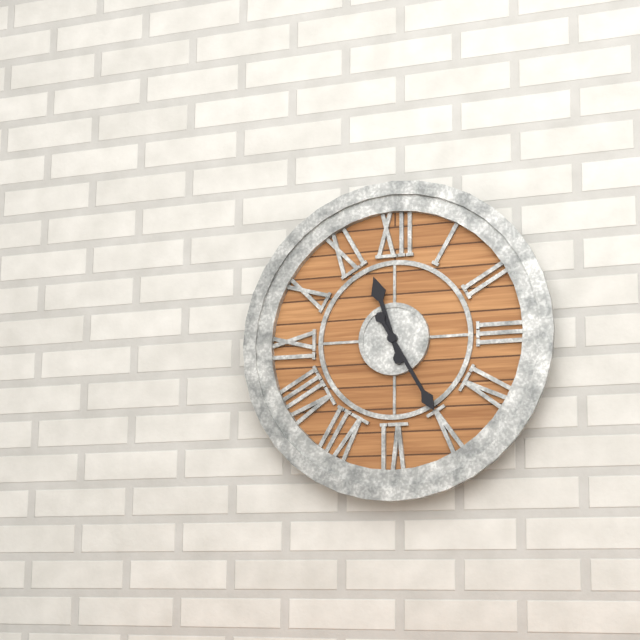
11:25
